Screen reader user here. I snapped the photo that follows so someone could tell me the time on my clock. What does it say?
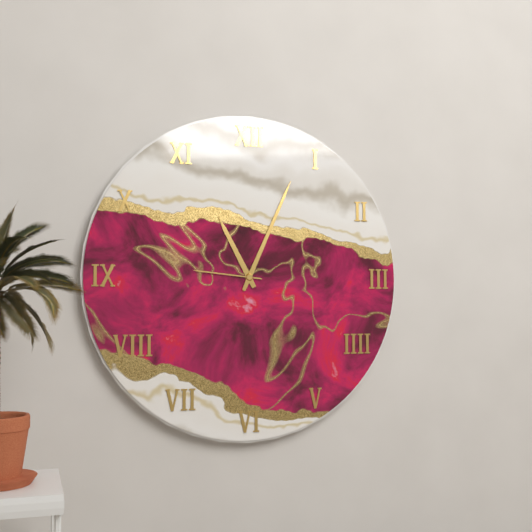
11:04:46
